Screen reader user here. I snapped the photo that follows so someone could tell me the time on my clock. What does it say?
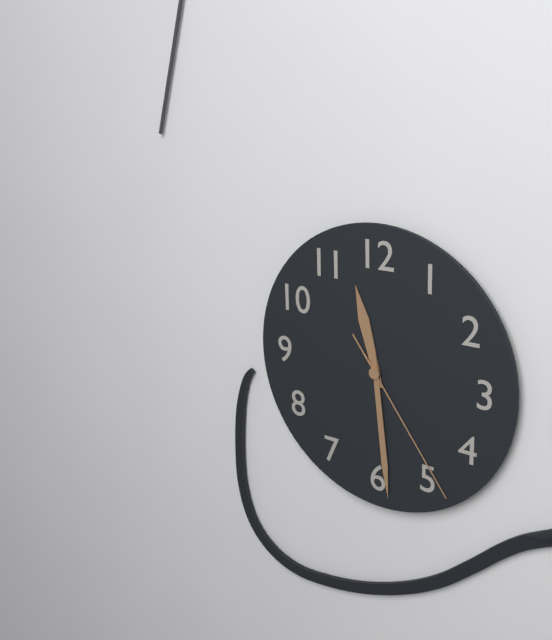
11:29:24
